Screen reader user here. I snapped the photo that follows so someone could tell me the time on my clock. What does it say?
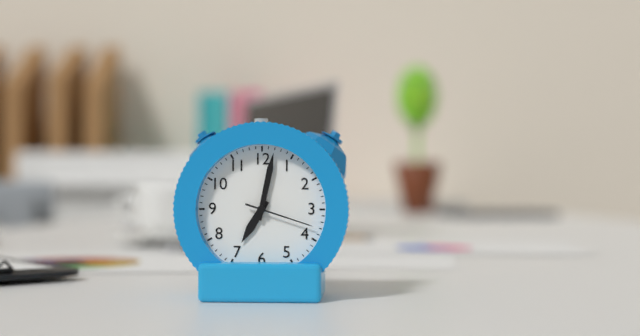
7:02:18
